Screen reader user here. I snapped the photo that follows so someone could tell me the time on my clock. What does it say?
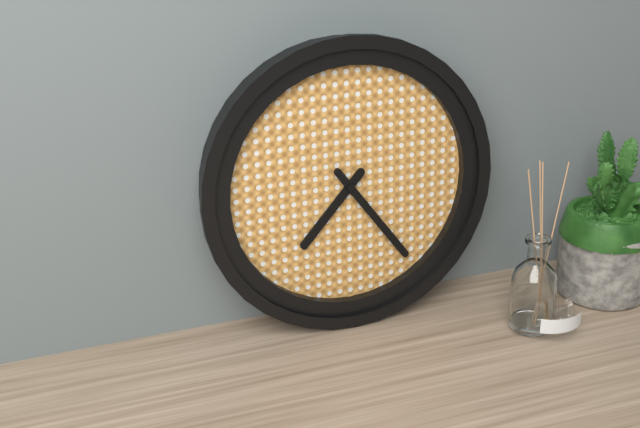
7:24
